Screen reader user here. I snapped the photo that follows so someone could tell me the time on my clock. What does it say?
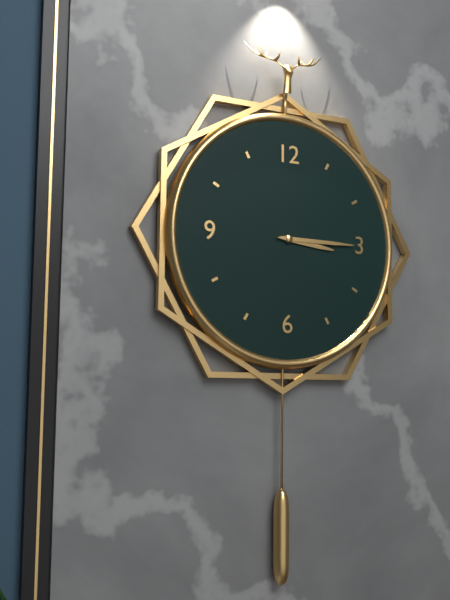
3:15
